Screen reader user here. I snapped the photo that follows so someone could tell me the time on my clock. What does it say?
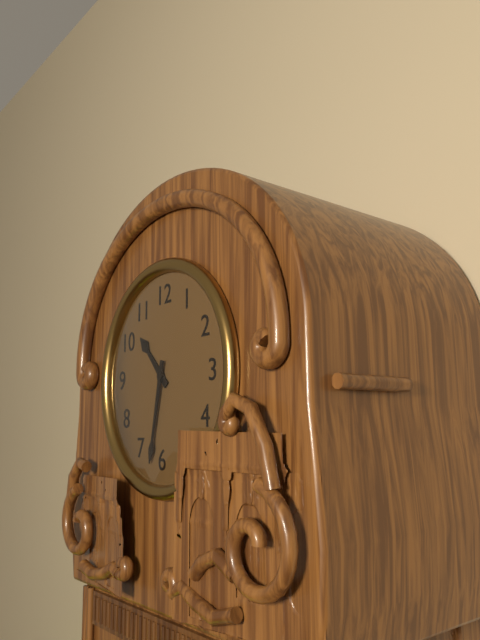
10:32
